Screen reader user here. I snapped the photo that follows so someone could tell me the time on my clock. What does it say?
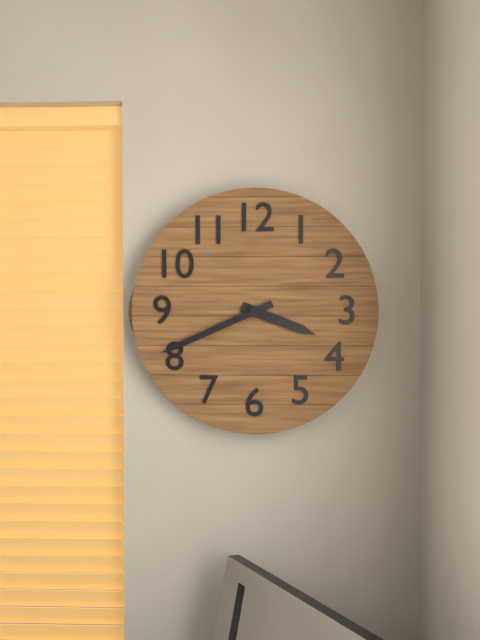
3:41
